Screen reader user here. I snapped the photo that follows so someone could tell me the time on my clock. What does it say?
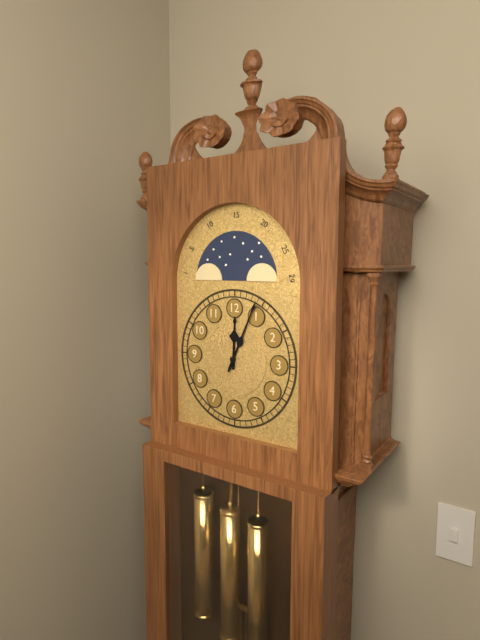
12:04
